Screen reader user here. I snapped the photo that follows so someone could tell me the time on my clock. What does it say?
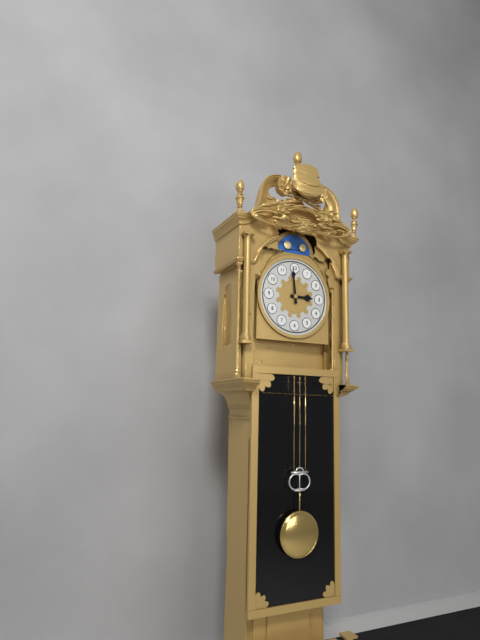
2:59
